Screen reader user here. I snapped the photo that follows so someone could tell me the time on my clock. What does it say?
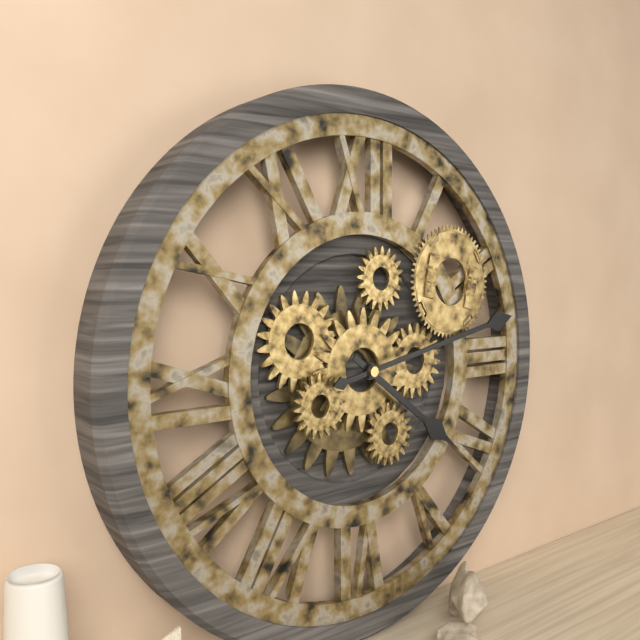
4:13
